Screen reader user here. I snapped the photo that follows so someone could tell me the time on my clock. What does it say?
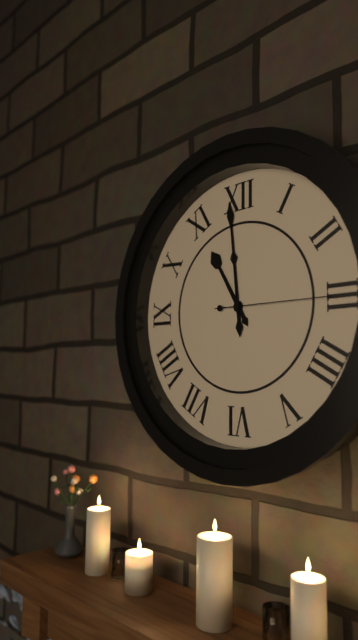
10:59:15
